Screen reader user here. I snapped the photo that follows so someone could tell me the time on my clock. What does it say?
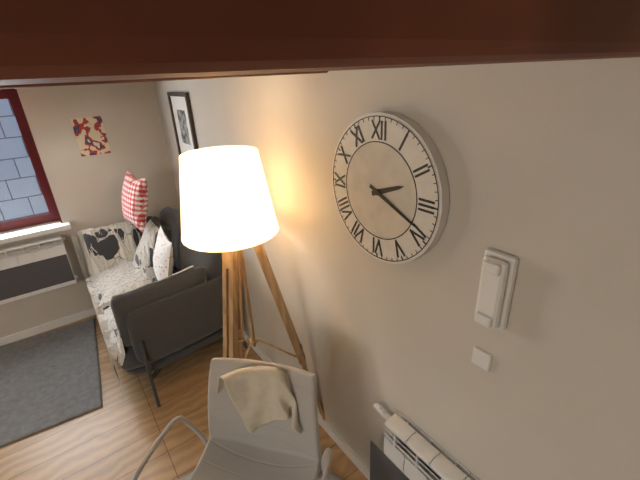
2:19
